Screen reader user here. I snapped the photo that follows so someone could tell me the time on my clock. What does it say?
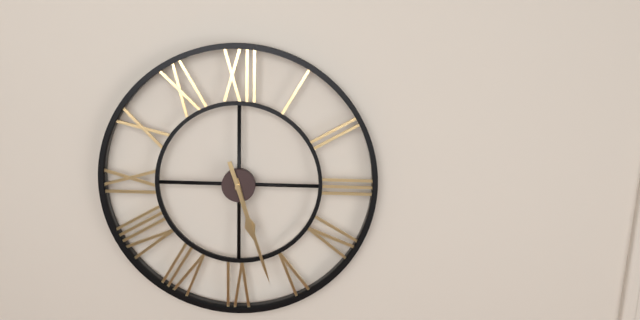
5:27
